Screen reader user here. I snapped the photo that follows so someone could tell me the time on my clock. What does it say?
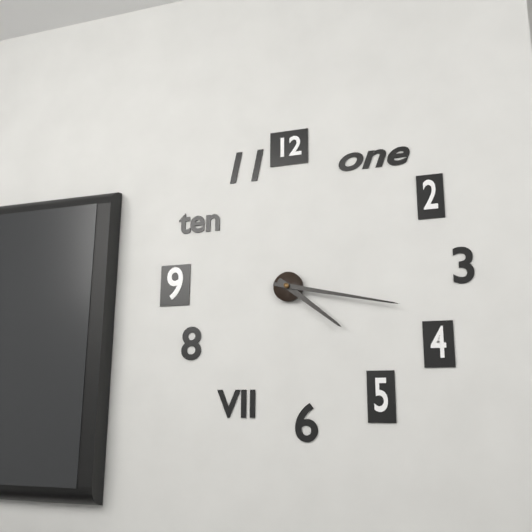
4:17
